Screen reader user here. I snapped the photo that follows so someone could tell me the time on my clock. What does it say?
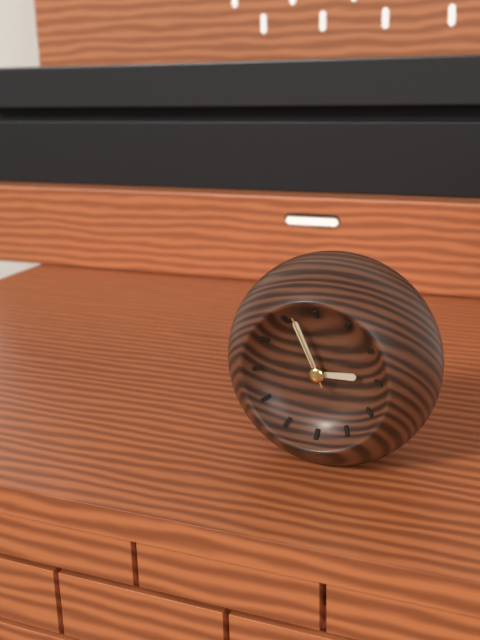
2:56:56
